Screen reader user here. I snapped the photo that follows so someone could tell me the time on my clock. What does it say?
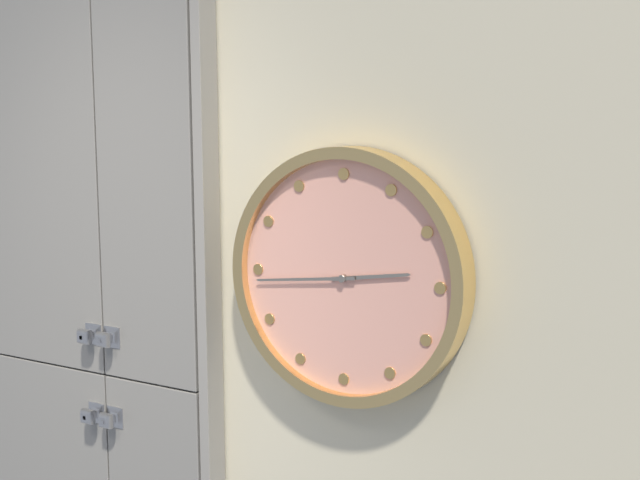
2:44
